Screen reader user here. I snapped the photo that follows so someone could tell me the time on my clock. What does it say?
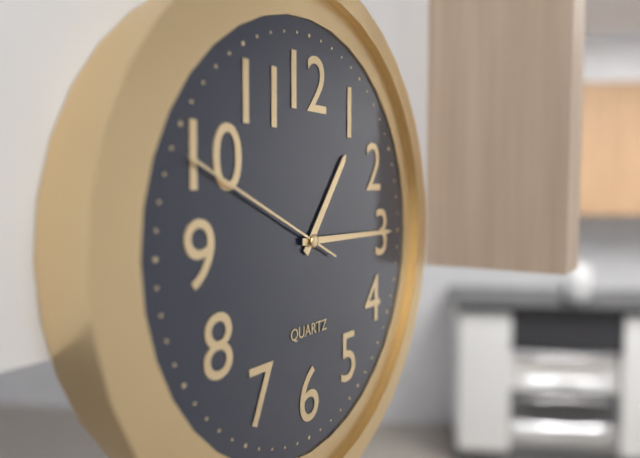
1:15:49
